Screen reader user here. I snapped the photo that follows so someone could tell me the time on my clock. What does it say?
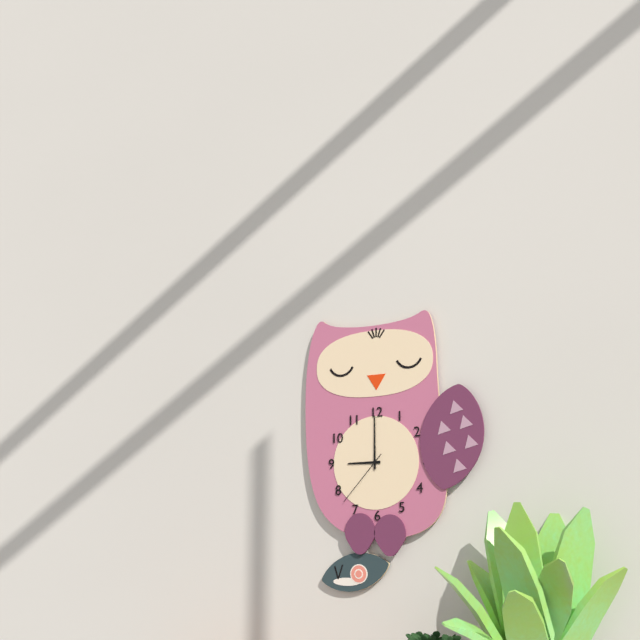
9:00:37
